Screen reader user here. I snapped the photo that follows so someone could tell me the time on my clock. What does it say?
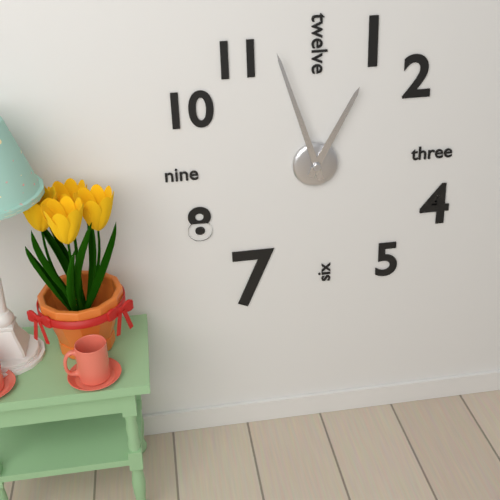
12:57
